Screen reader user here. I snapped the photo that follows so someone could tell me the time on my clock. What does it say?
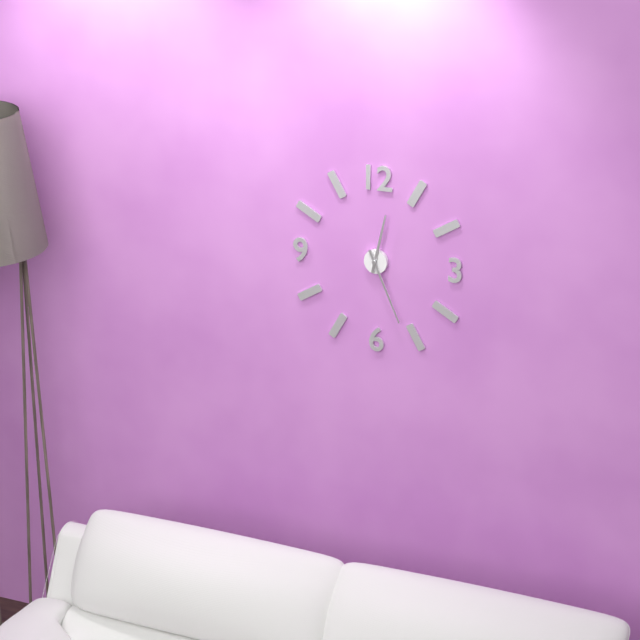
12:26
